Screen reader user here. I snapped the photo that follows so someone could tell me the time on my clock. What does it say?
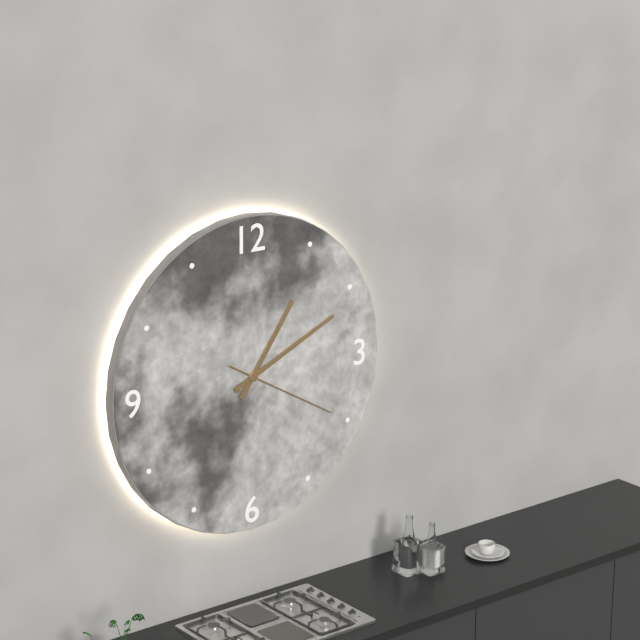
1:11:20
